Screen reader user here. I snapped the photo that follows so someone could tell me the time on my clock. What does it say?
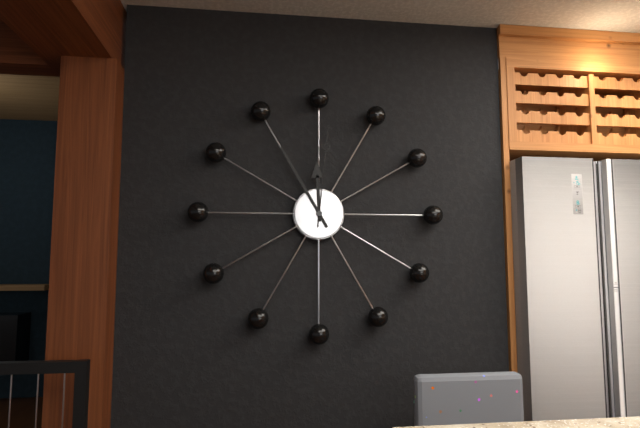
11:55:01
